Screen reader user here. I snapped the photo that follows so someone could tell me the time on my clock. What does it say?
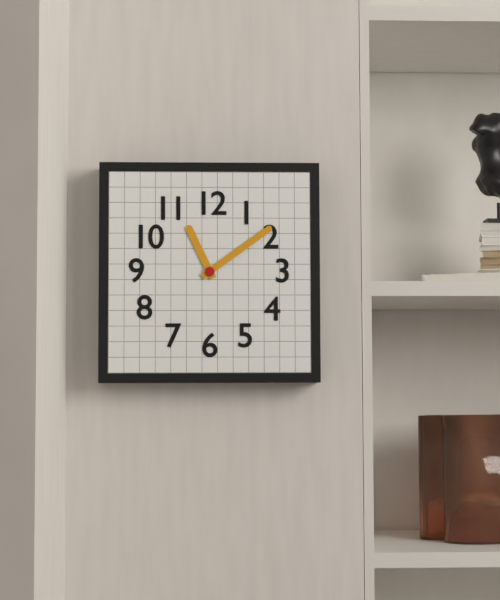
11:09
